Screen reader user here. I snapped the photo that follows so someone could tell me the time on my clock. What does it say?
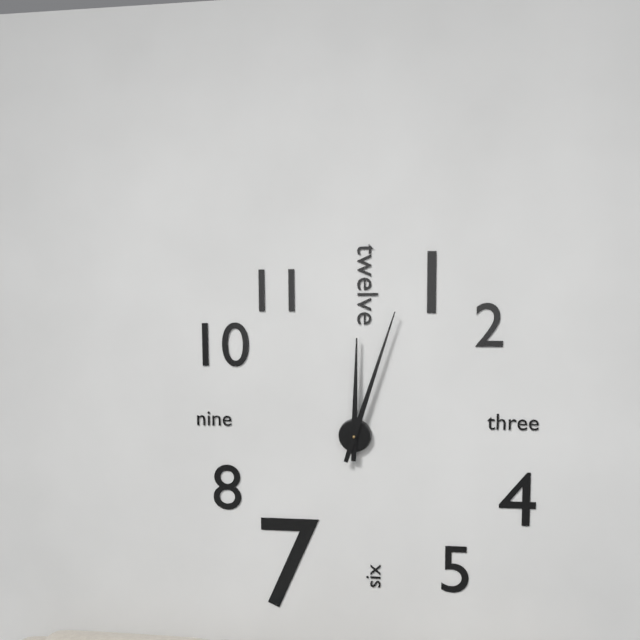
12:03
